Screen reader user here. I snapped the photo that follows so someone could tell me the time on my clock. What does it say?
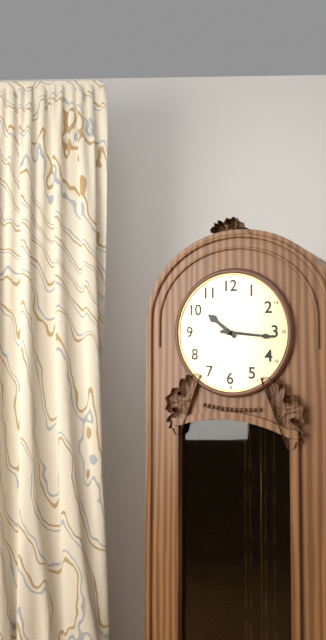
10:16
